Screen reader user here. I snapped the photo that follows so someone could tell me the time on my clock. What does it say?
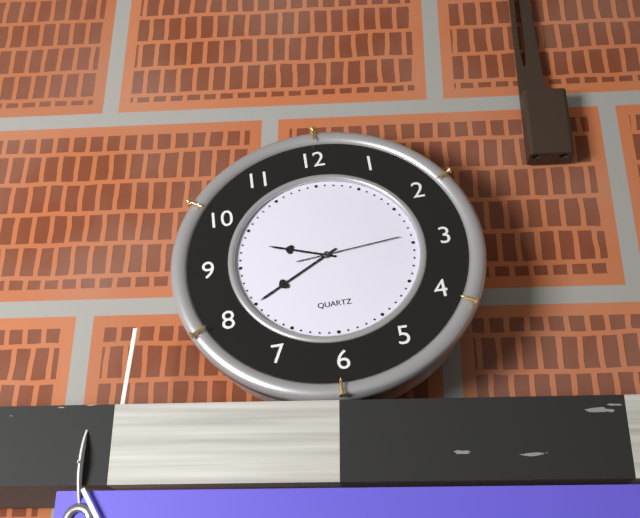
9:40:14
